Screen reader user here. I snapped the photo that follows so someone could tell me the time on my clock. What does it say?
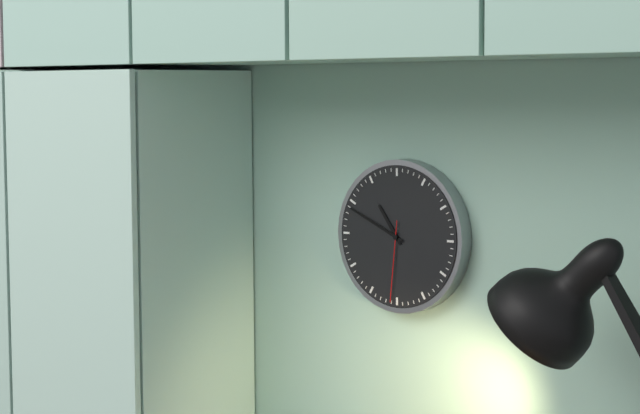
10:49:31
